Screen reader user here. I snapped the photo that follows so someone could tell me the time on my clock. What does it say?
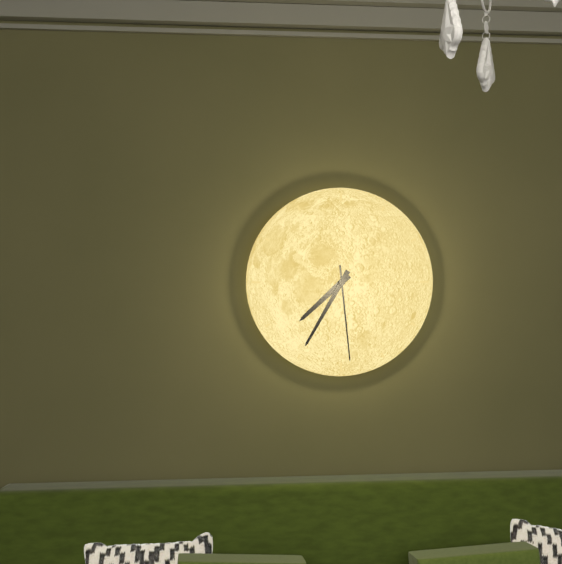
7:35:29
